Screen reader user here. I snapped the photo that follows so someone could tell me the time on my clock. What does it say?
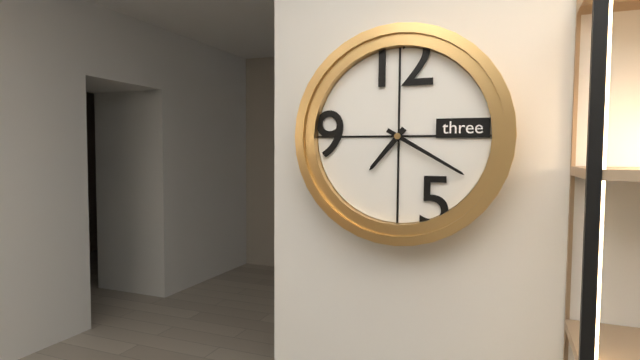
7:20
